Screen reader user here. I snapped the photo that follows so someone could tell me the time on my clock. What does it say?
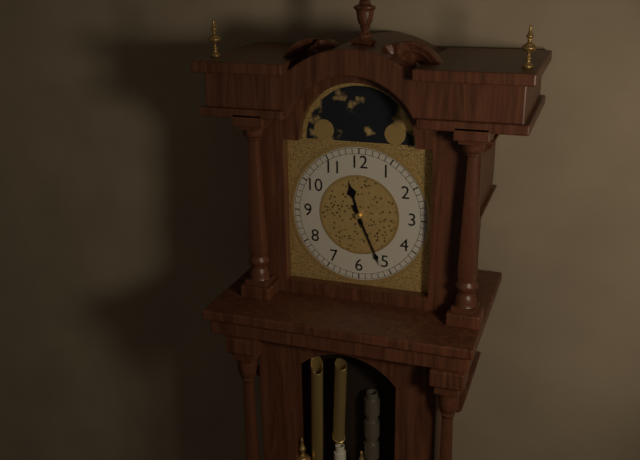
11:26
